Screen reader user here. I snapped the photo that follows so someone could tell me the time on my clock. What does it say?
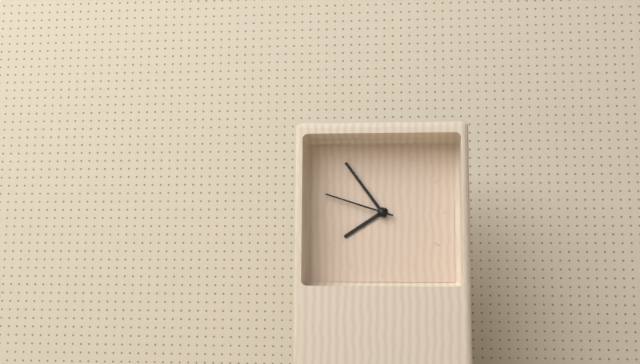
7:54:48
